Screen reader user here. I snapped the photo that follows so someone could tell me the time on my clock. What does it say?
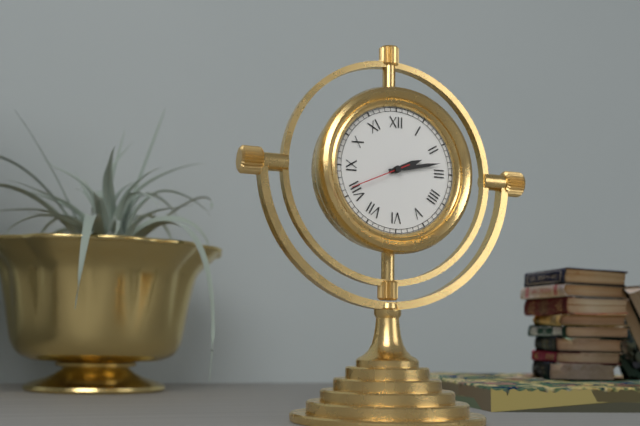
2:13:41
